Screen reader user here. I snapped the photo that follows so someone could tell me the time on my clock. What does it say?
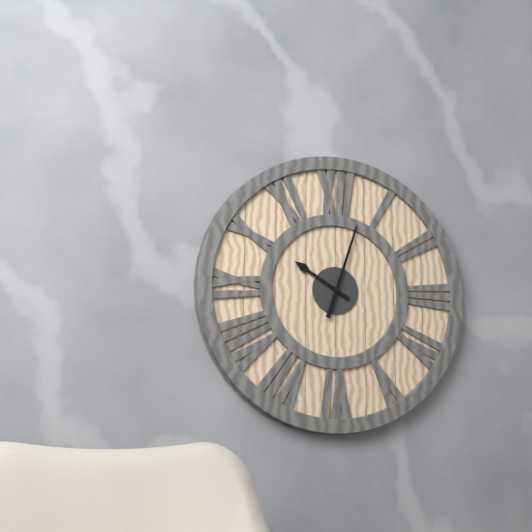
10:03
